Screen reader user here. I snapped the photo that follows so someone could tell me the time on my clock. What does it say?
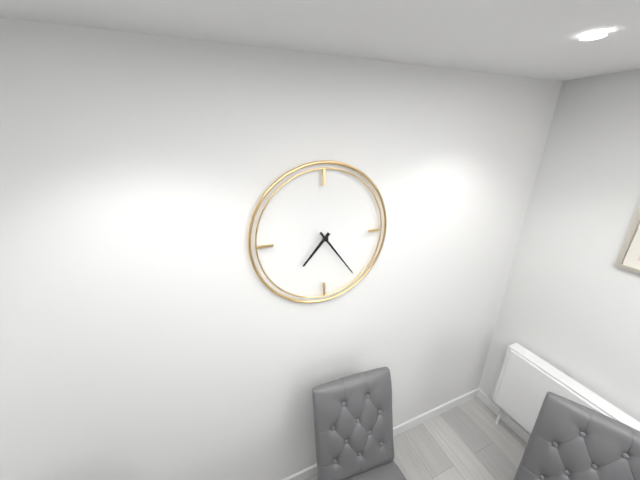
7:24
